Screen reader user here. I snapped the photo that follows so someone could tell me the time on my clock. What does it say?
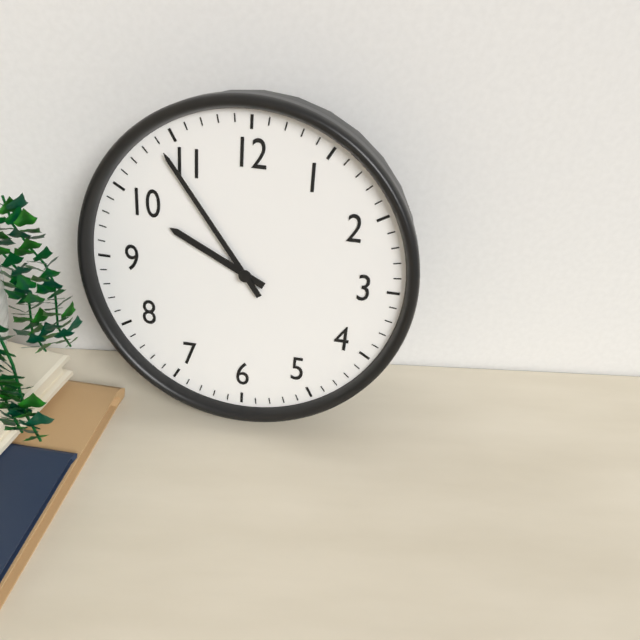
9:54
